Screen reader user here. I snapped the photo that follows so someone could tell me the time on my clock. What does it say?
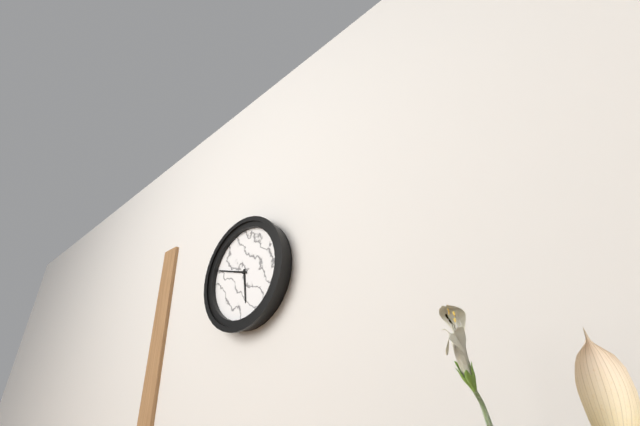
5:48
